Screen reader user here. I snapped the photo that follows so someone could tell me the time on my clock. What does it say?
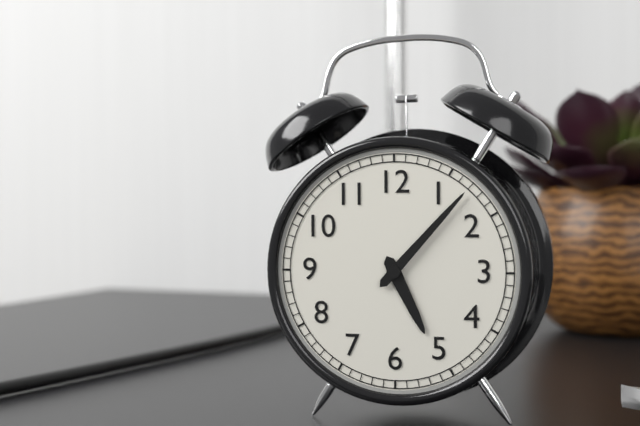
5:07
